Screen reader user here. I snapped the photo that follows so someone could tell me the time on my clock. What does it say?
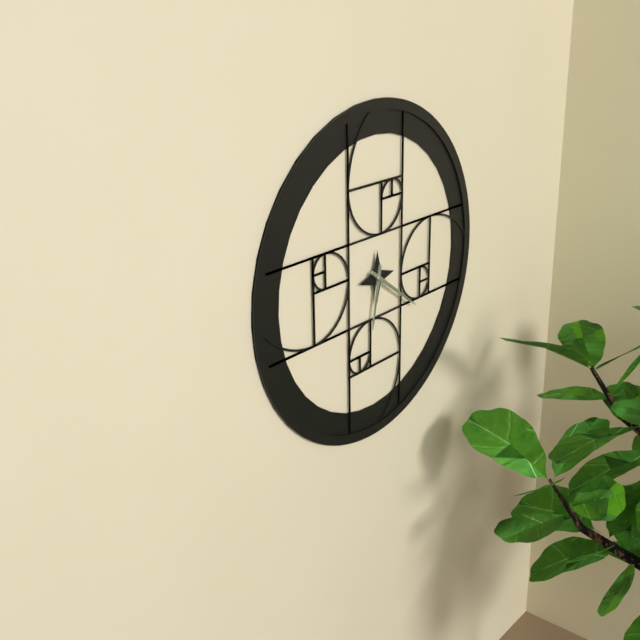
6:21
